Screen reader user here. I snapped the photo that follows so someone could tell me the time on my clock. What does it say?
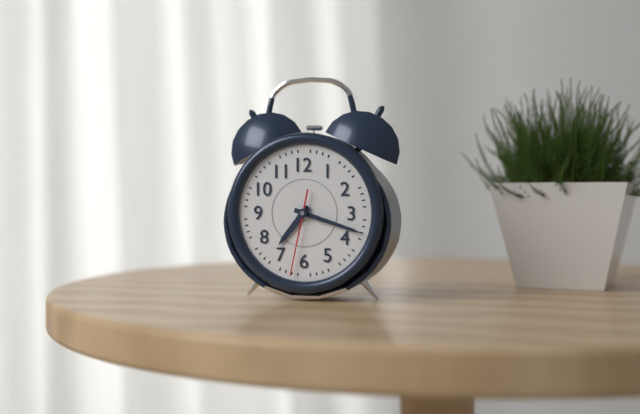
7:18:32
